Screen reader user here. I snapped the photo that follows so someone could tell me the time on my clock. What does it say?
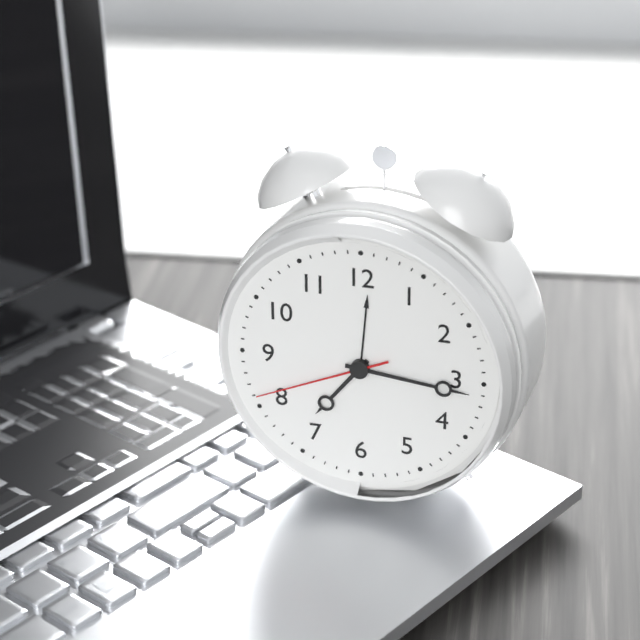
7:16:41
